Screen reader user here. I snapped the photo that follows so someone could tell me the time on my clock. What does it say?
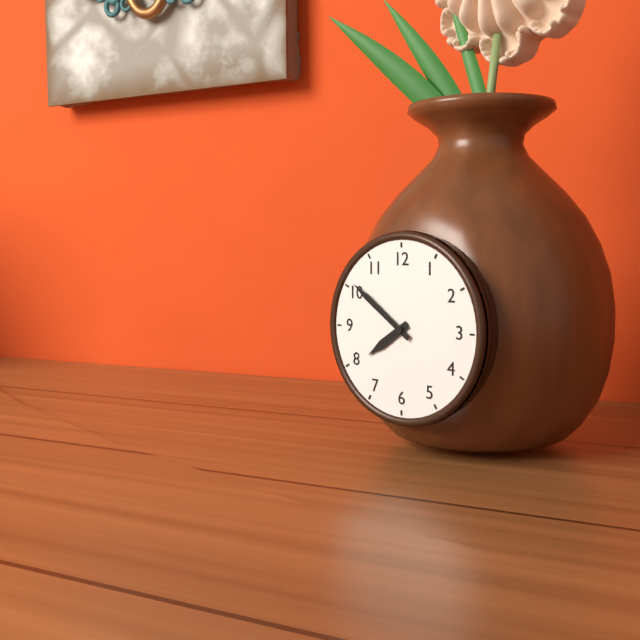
7:51
